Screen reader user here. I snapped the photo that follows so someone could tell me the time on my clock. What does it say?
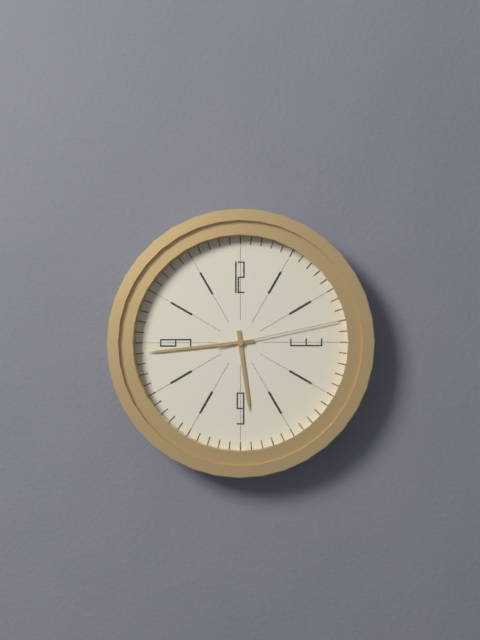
5:44:13
